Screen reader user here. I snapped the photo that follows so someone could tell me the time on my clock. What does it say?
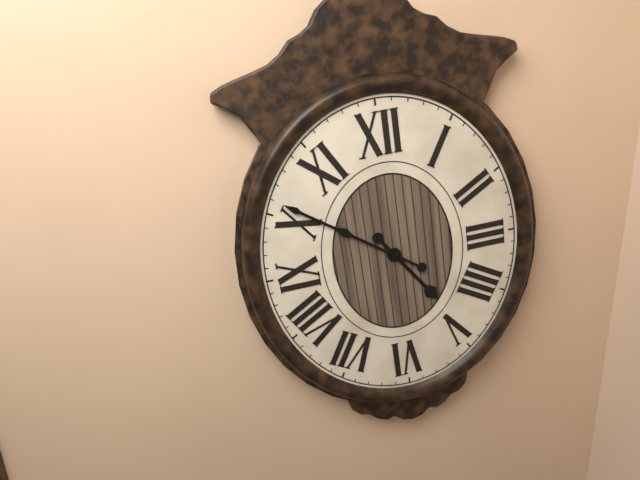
4:51
